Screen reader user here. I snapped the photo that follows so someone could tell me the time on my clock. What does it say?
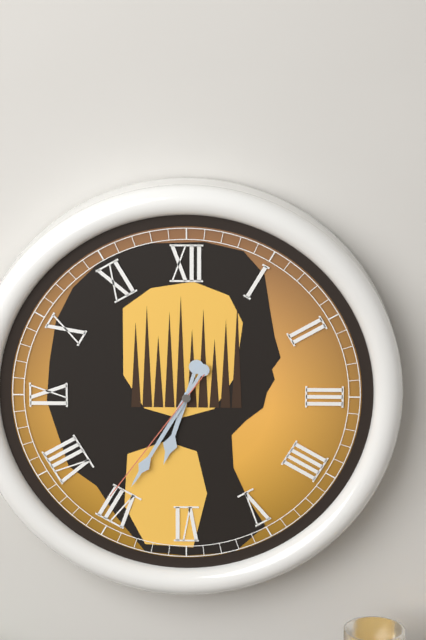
6:35:36
